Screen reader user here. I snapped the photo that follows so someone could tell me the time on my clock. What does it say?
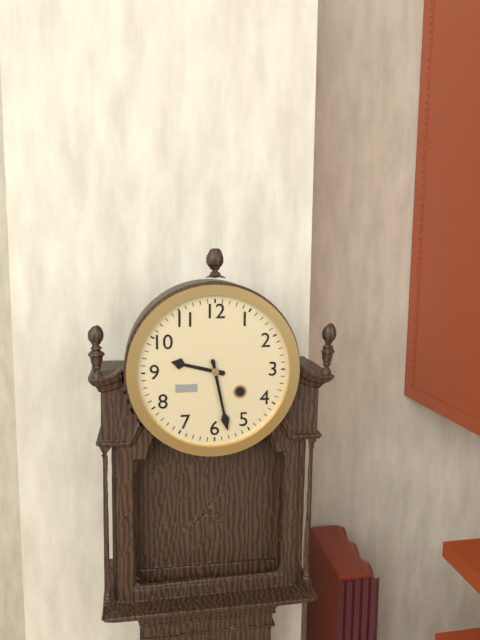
9:28
